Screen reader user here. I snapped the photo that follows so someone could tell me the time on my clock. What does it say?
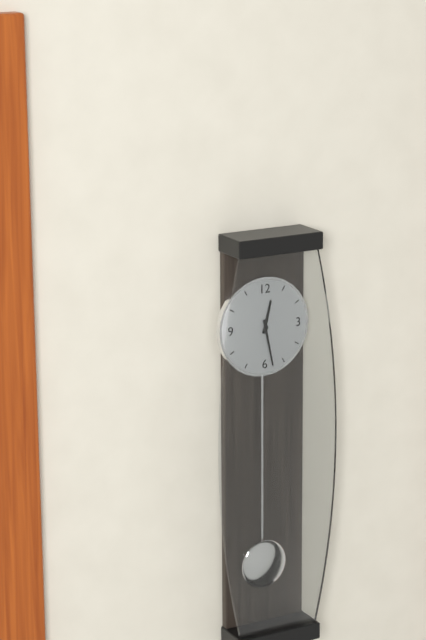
12:28
